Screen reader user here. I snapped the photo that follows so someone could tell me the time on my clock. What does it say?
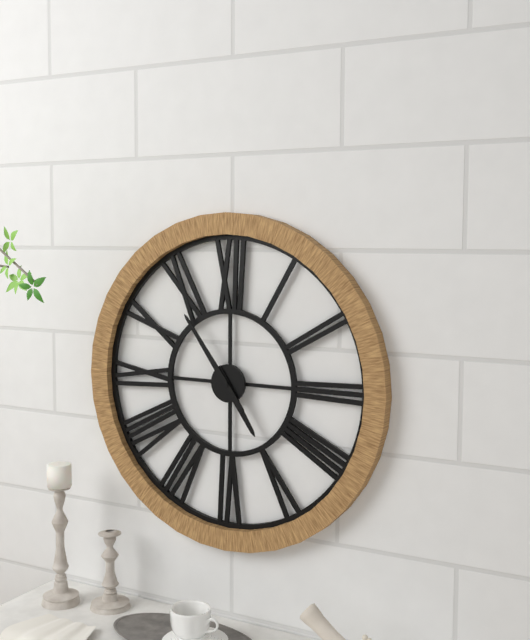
4:54
